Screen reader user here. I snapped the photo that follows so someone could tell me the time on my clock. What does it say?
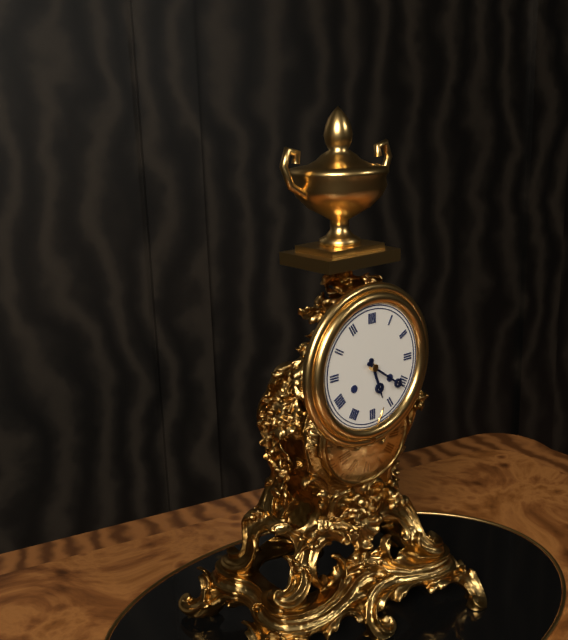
5:21
